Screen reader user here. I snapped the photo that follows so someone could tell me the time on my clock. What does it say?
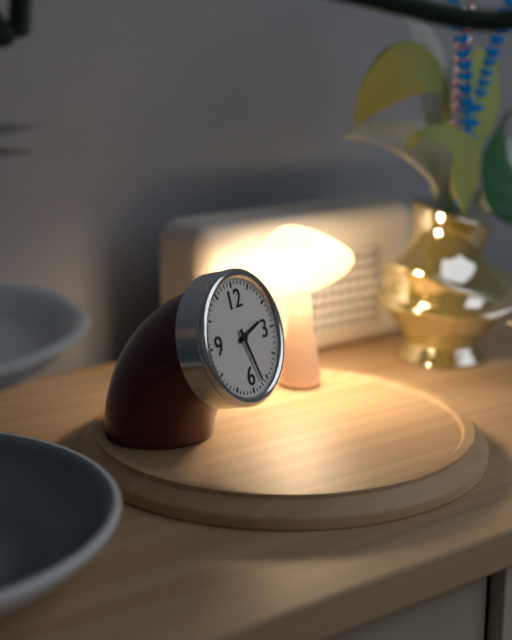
2:27
